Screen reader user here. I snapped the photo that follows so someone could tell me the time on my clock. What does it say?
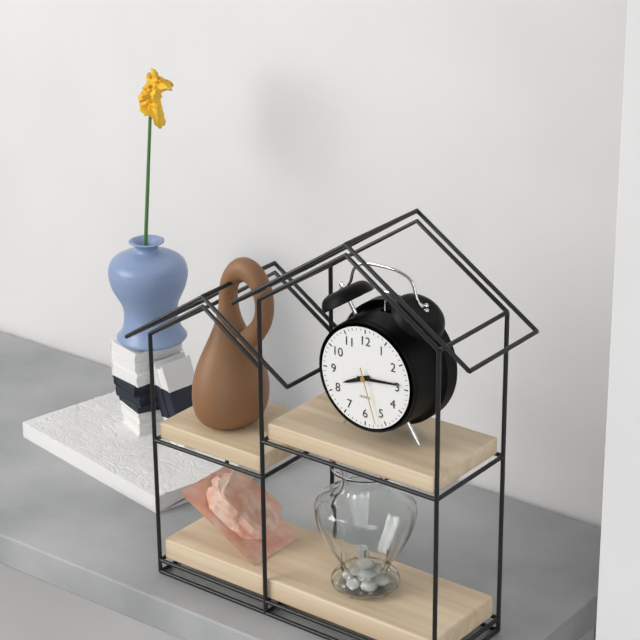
8:14:27
